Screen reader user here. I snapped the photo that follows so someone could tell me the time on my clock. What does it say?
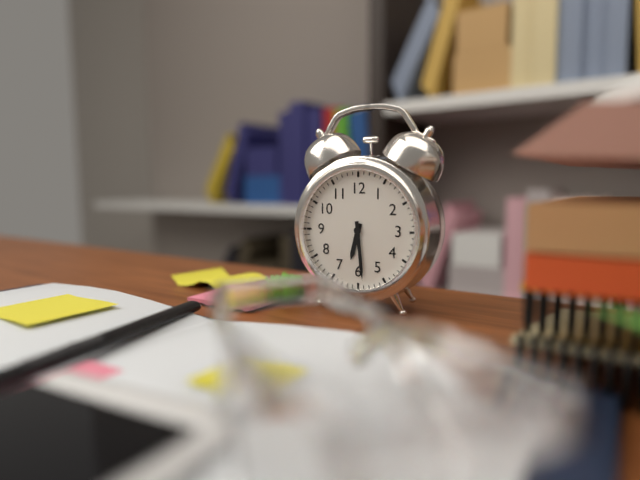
6:29
